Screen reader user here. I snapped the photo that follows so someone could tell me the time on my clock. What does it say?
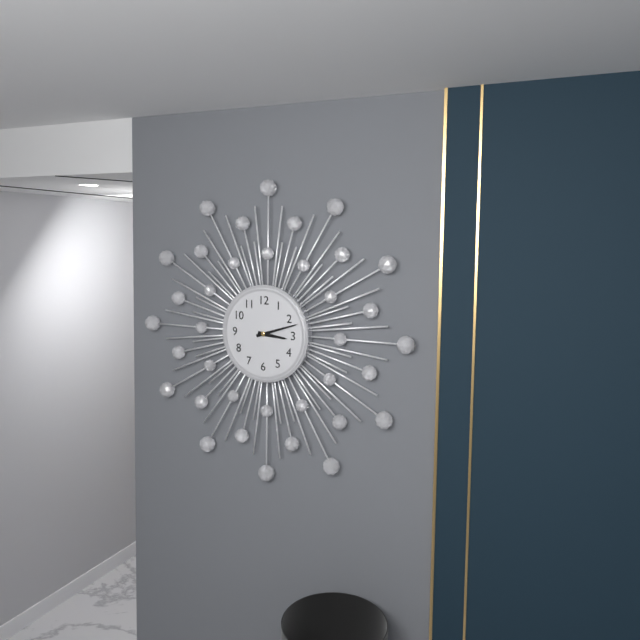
3:12
